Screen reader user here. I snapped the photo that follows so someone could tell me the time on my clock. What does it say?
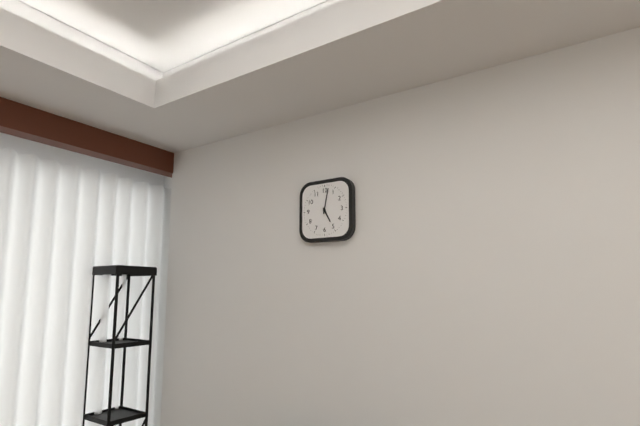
5:02
